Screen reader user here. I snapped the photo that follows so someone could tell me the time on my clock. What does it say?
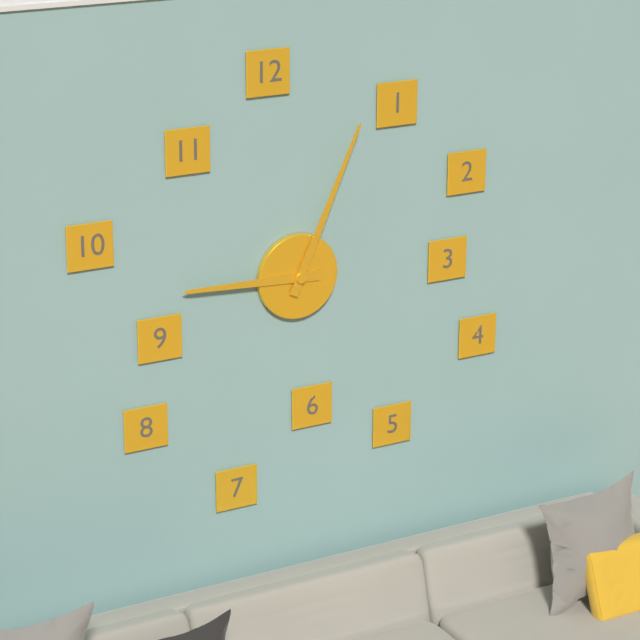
9:04
